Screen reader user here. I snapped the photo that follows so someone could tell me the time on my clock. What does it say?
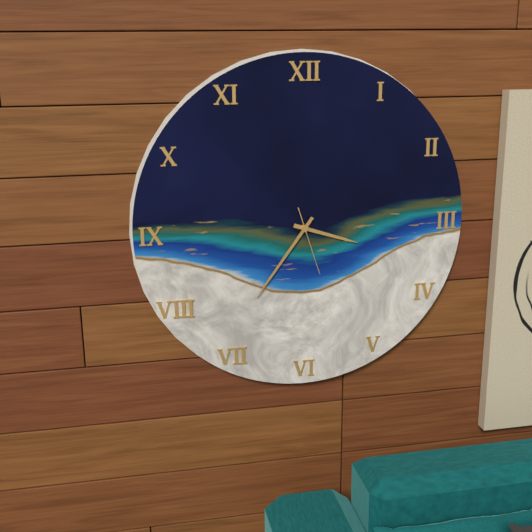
3:36:27
